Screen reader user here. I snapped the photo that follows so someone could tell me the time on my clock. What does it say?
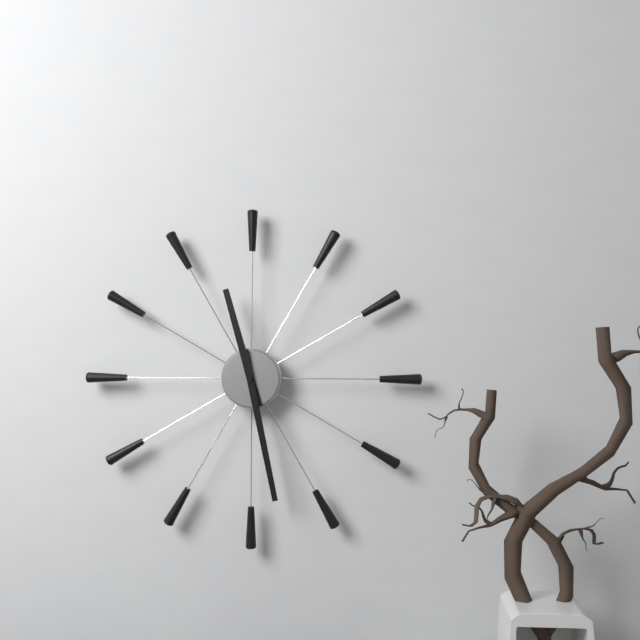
11:28
